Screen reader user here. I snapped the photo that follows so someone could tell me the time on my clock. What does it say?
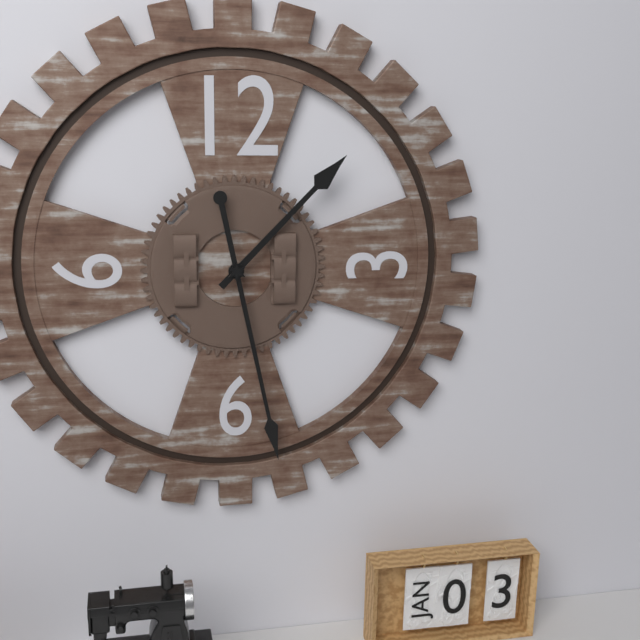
1:28
